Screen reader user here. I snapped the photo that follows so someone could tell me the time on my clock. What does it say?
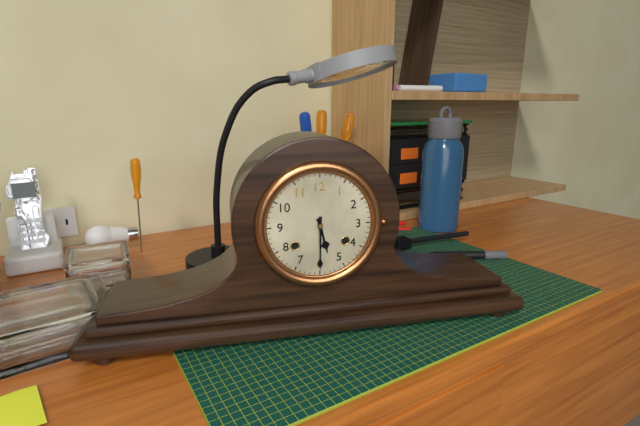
5:30
